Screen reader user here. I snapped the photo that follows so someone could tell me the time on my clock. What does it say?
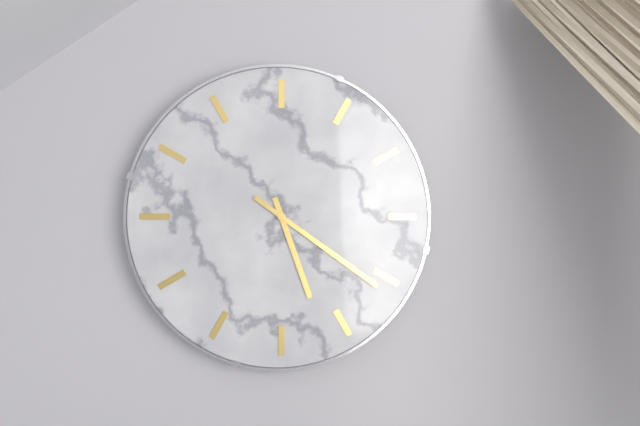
5:21
